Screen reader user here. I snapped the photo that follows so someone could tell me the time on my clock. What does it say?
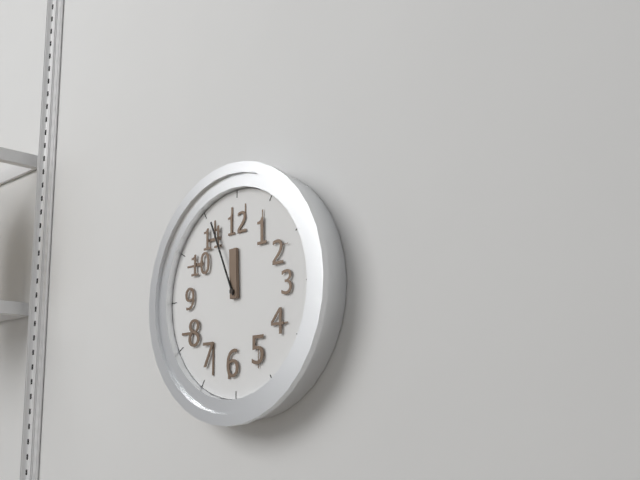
11:56
